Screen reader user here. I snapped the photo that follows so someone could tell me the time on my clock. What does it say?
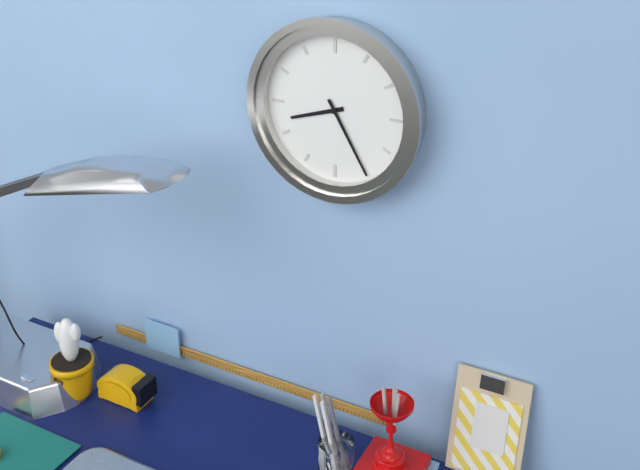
8:25
